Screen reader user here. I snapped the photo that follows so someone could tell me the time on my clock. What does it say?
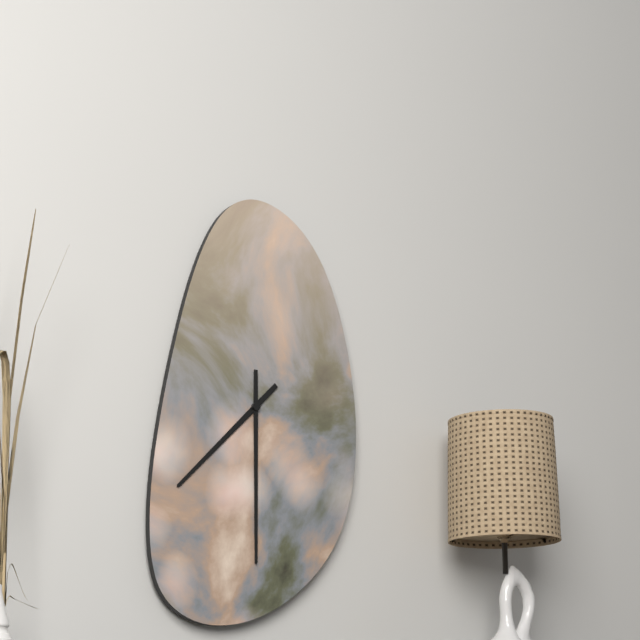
7:30
